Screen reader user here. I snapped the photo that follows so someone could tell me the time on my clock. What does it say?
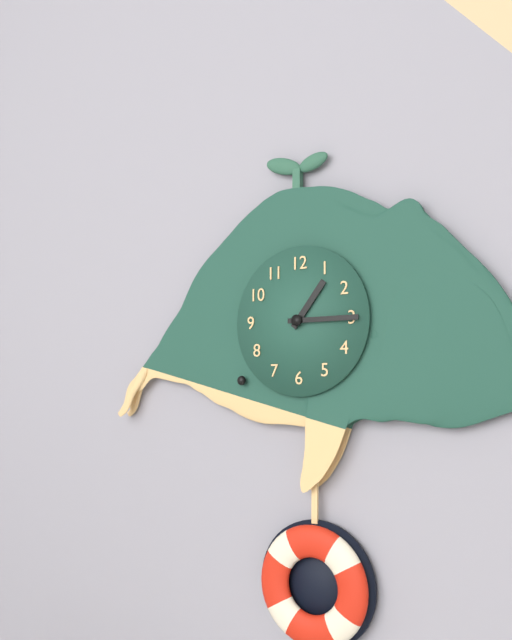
1:15
